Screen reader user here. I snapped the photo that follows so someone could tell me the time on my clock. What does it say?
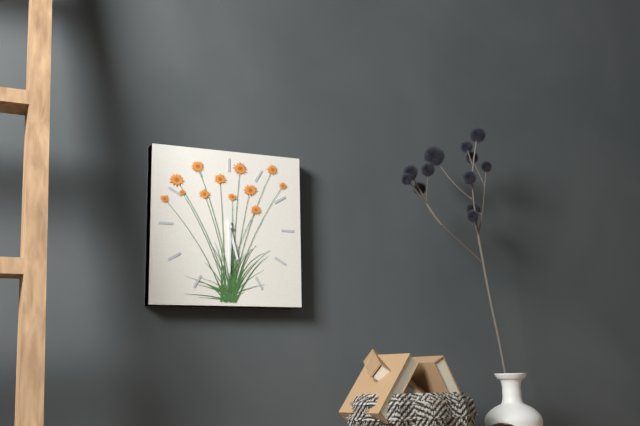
5:30
